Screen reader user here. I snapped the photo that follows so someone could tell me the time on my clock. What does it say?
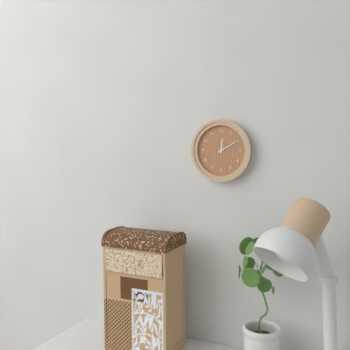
12:10
